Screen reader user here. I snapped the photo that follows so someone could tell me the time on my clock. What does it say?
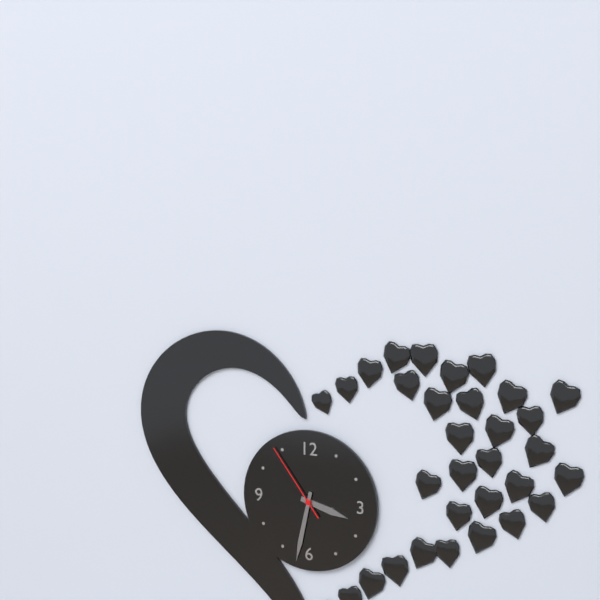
3:32:54
